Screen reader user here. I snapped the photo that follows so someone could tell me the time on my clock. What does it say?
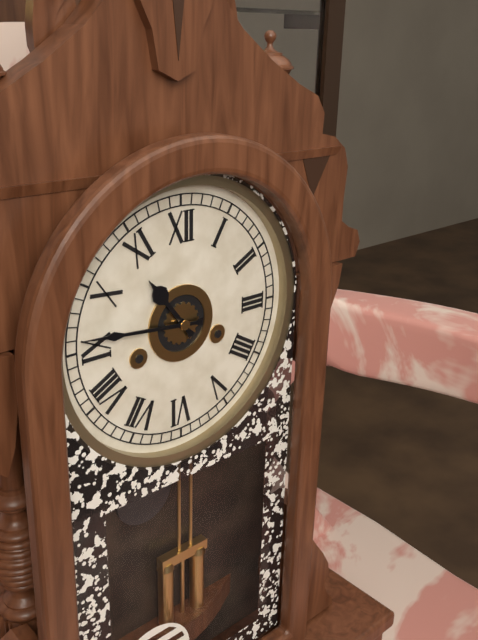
10:46
